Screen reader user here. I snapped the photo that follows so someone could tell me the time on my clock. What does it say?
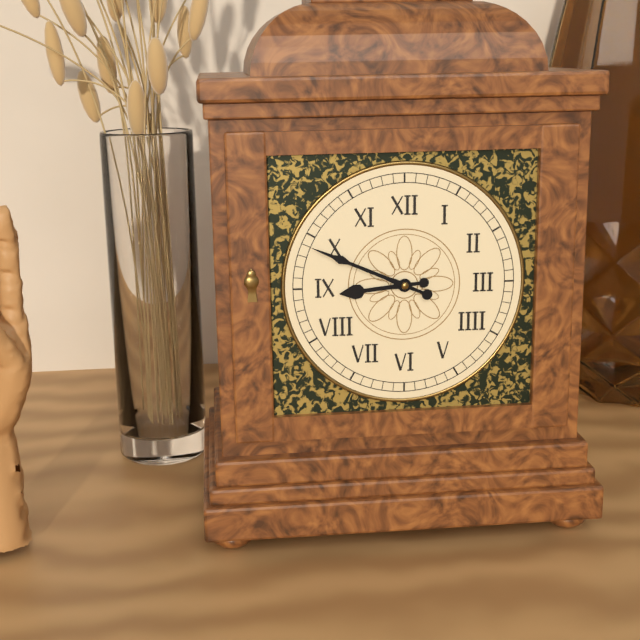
8:49
